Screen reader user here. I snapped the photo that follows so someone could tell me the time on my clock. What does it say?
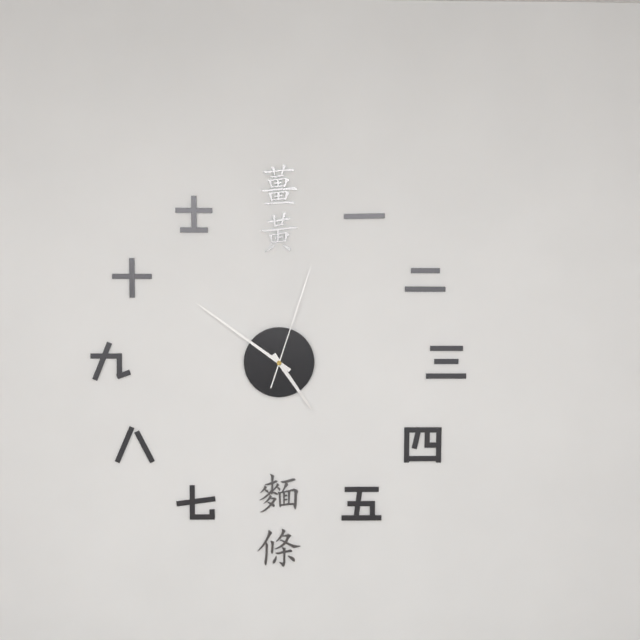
4:51:03
